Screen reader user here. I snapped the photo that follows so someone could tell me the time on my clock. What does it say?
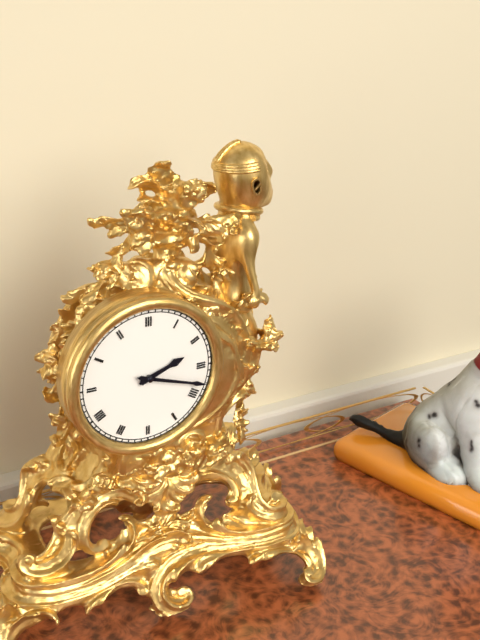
2:18
